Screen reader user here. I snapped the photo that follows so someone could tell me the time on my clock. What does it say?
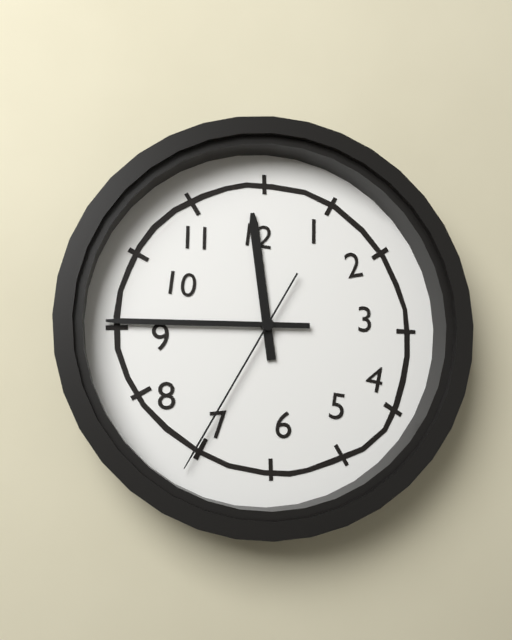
11:45:35
